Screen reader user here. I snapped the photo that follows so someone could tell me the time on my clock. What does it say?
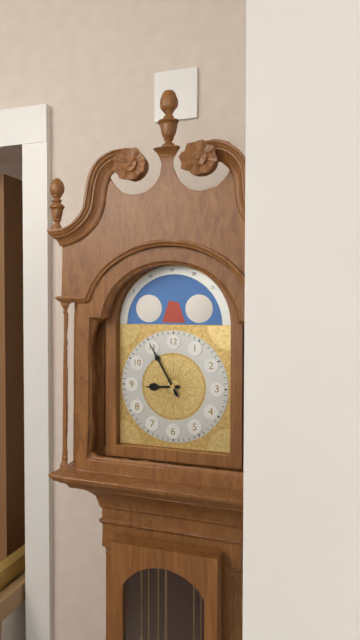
8:55
